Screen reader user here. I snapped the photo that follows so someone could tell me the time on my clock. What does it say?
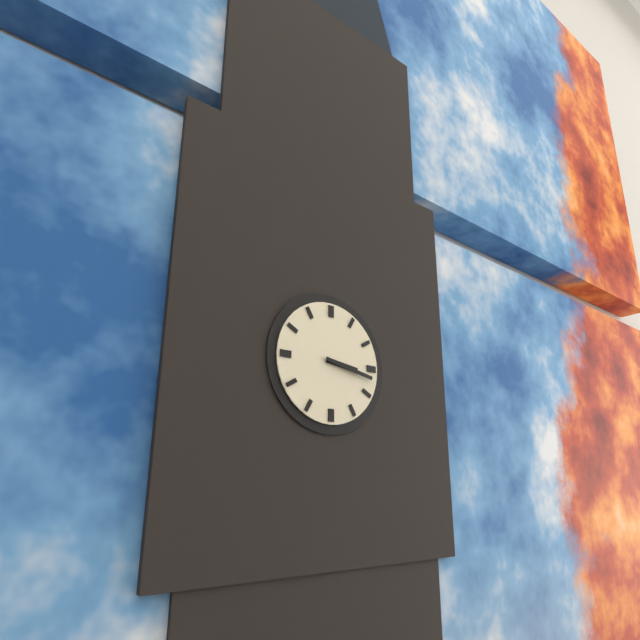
3:17
